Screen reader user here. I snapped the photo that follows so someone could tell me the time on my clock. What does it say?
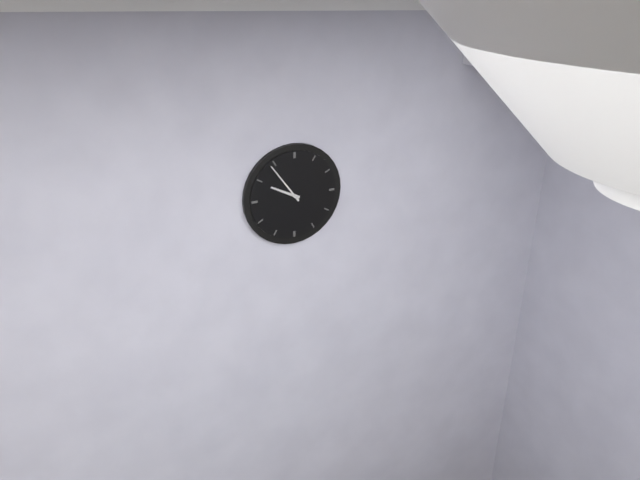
9:54
